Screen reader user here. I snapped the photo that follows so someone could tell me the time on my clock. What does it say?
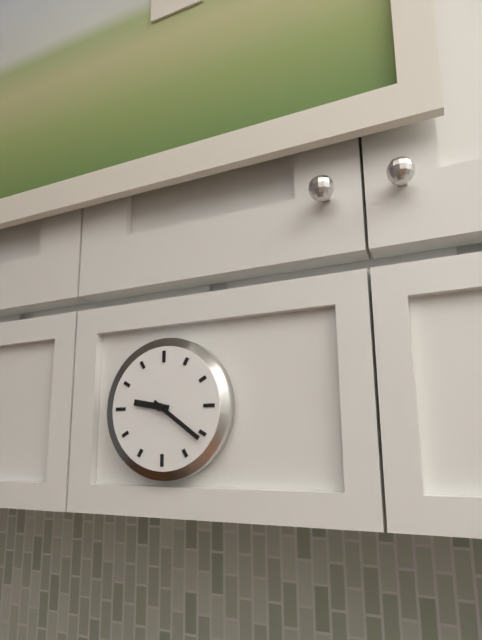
9:21
